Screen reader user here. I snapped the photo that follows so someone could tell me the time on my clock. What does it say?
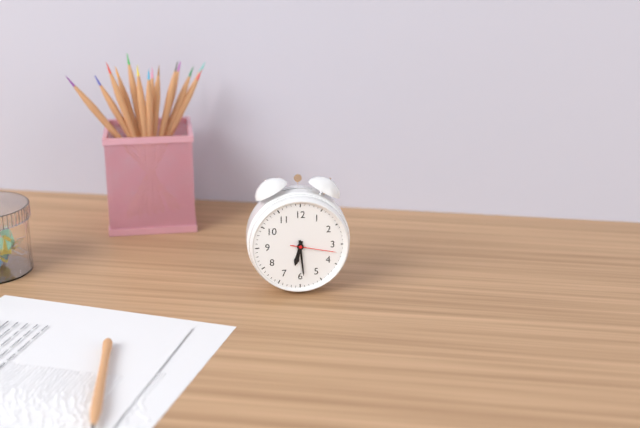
6:29
